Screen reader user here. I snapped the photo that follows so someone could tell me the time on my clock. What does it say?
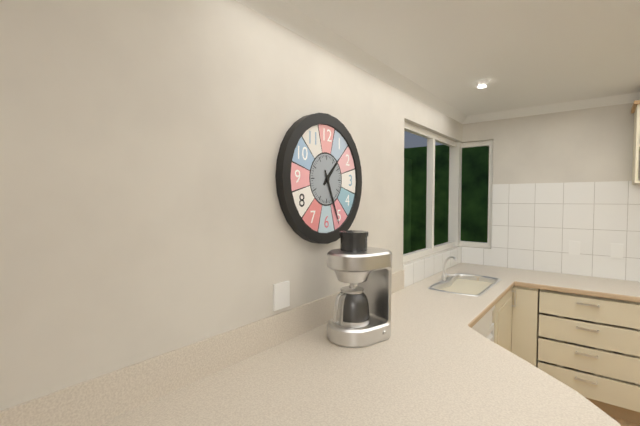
1:26
